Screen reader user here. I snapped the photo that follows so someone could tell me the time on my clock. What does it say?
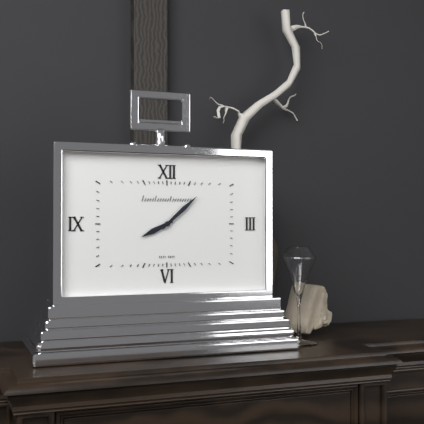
8:08
